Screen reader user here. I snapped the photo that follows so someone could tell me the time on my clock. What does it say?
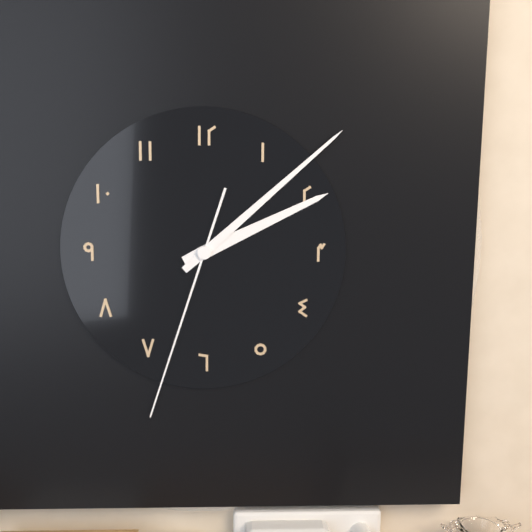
2:08:33
